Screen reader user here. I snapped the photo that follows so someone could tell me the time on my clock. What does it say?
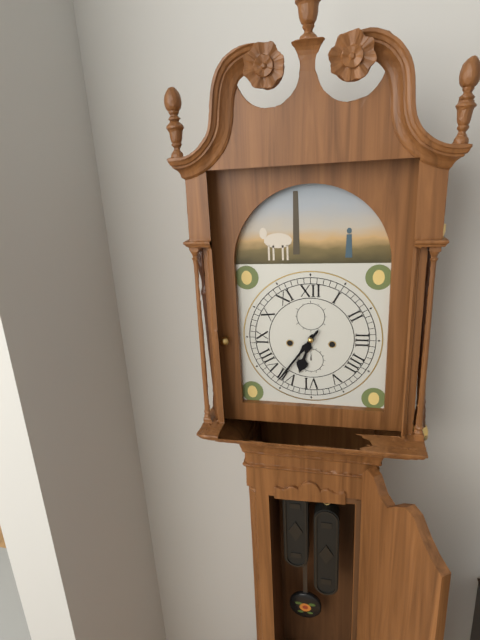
6:36
